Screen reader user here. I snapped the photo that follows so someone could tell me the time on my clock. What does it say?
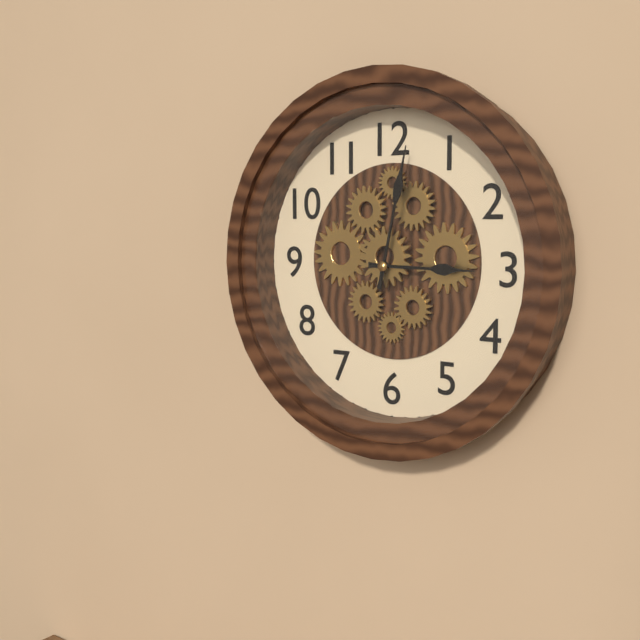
3:02
